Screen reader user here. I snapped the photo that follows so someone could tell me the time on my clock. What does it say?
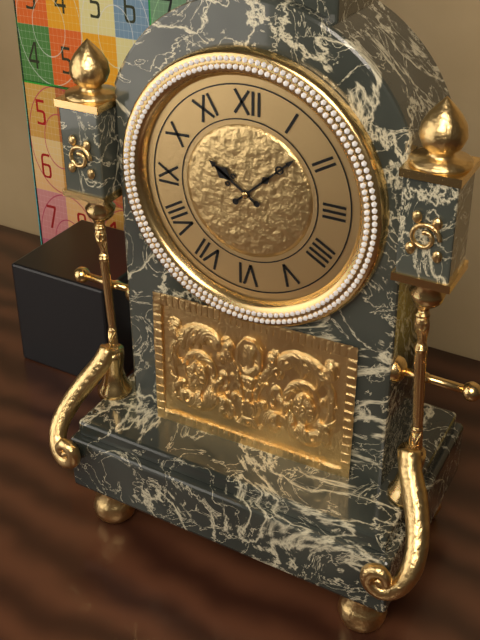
10:08
